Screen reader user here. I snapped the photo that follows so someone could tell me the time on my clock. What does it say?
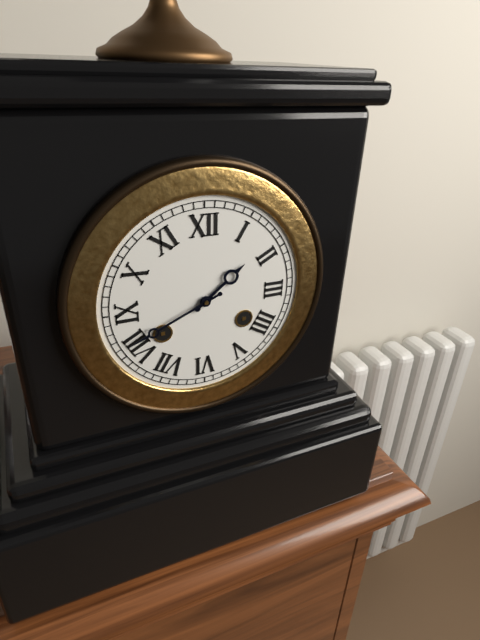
1:41
